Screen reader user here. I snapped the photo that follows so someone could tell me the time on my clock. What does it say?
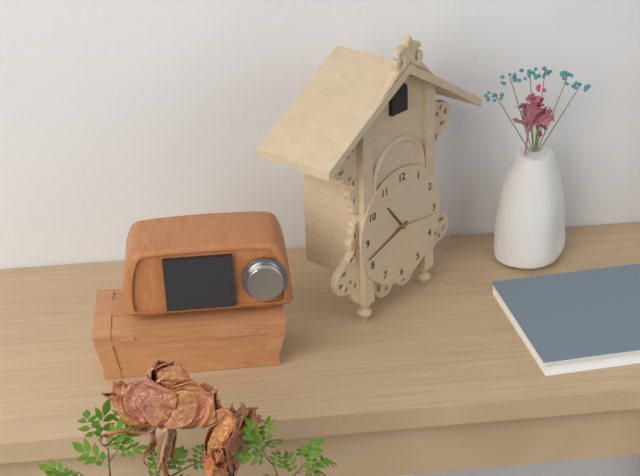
10:42
